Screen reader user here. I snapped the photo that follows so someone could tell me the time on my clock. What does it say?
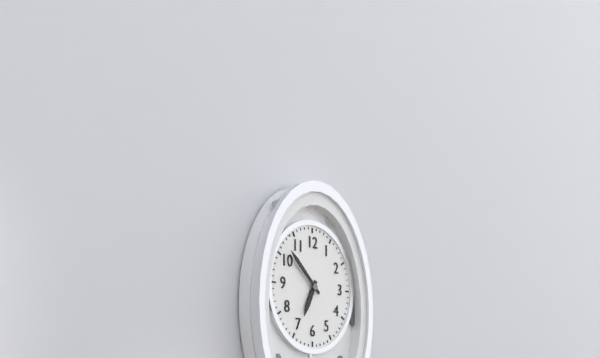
6:52
